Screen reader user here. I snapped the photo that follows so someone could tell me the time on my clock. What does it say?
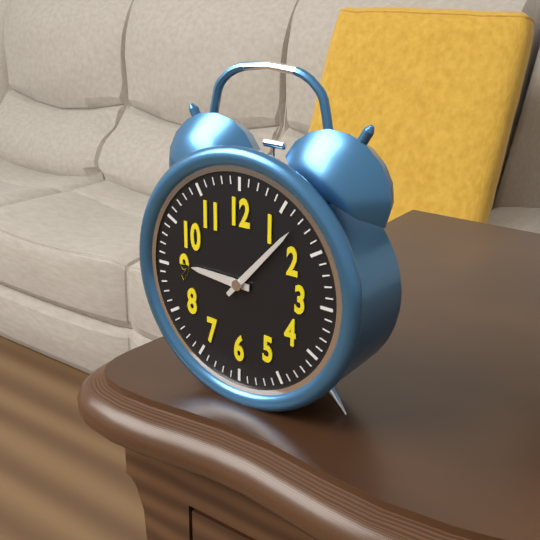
9:07
